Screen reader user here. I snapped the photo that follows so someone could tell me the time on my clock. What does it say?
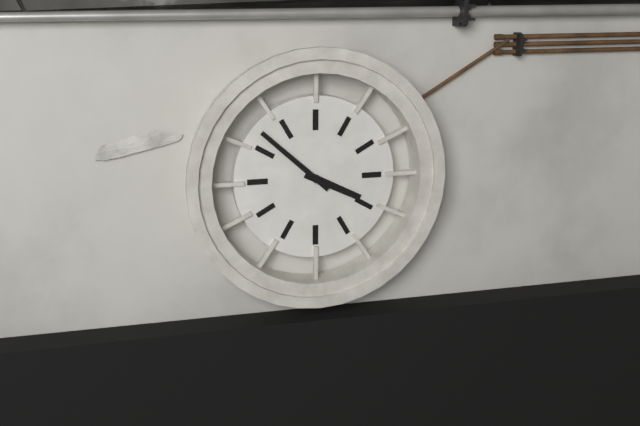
3:52
